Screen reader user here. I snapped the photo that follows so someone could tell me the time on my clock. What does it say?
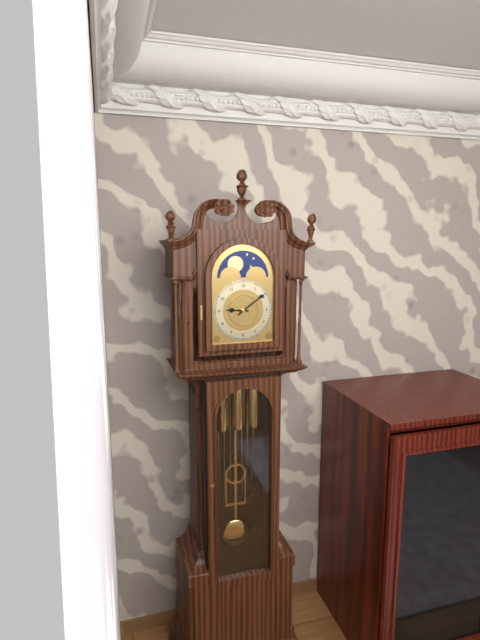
9:09
